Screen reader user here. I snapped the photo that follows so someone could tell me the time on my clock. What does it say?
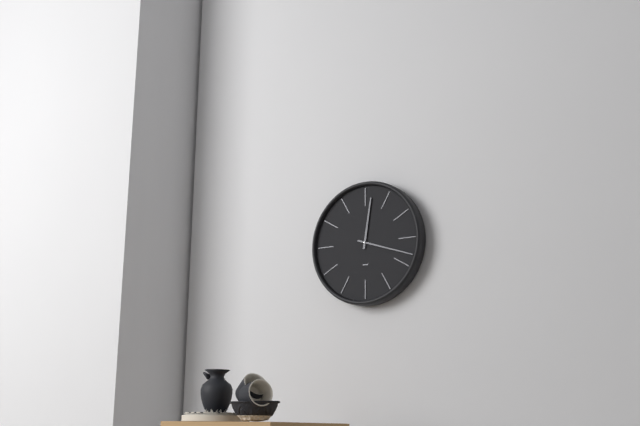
12:18
